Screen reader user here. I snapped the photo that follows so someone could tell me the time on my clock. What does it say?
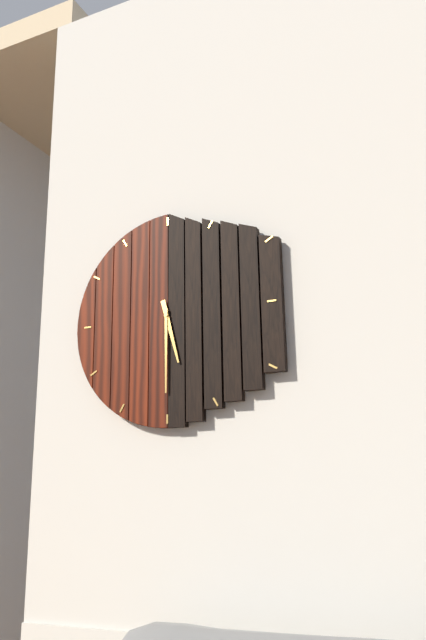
5:30
